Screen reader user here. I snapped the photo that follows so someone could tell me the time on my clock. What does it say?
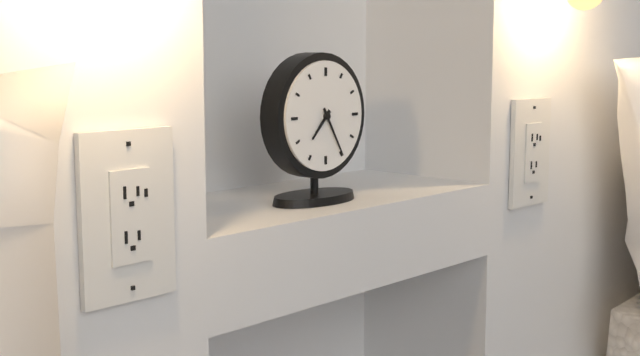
7:25
